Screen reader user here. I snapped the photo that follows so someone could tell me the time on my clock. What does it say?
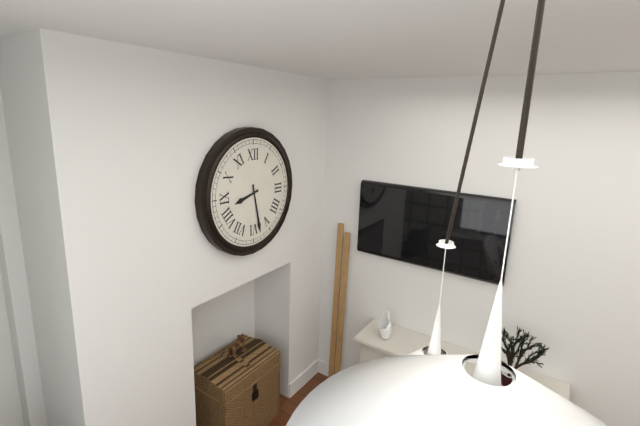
8:28
